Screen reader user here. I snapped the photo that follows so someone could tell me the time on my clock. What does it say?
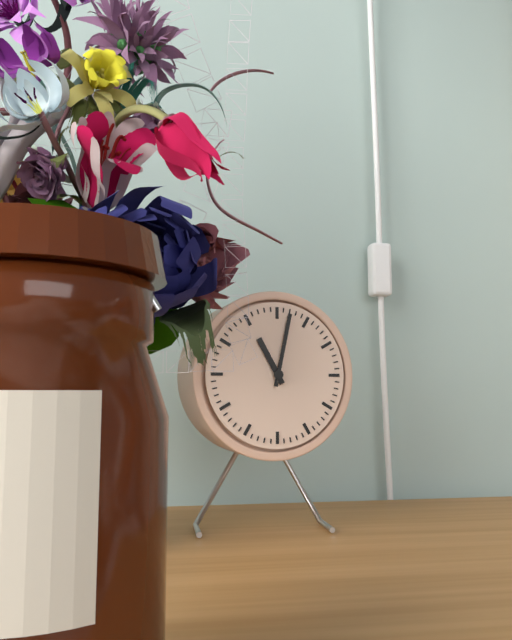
11:02
